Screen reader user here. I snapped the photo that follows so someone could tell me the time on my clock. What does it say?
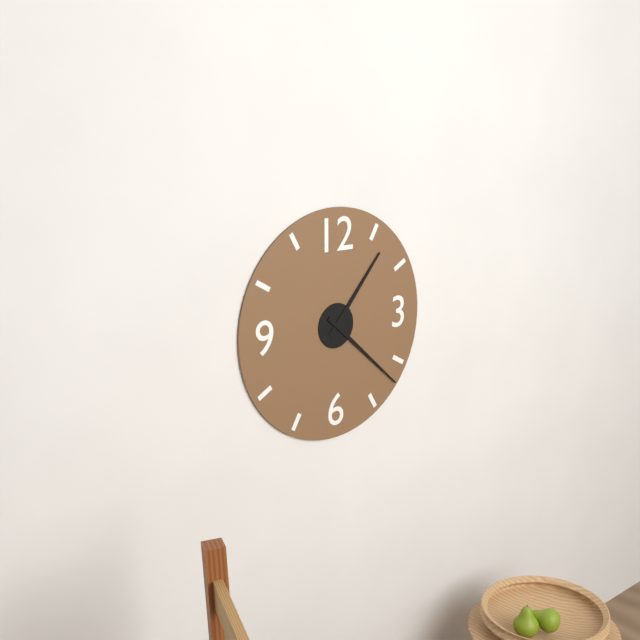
1:22
